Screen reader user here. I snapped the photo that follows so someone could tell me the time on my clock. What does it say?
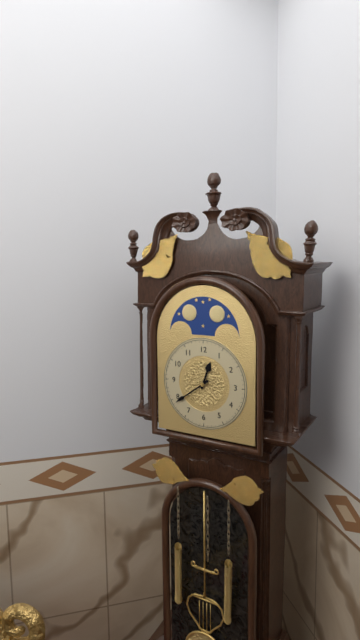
12:39
